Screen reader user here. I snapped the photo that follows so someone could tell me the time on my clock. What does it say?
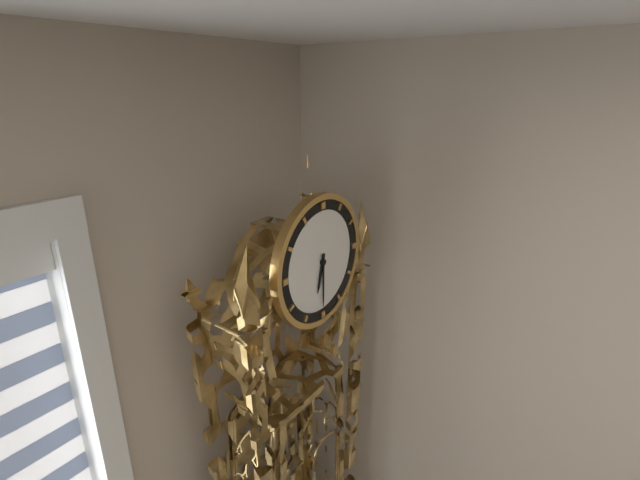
6:30
